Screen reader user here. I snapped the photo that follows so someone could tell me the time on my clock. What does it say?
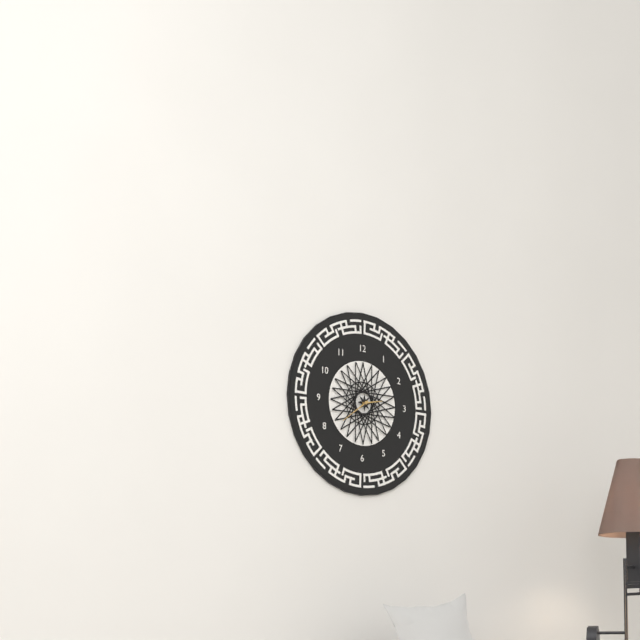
2:39
